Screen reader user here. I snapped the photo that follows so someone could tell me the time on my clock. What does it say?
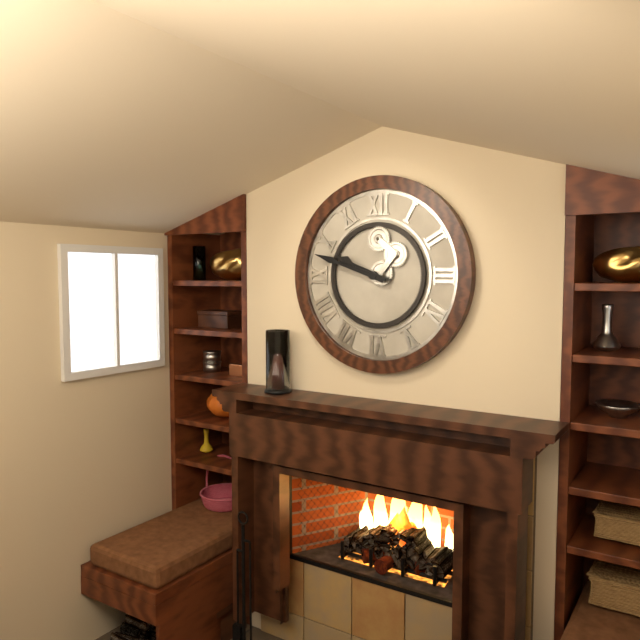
9:48
